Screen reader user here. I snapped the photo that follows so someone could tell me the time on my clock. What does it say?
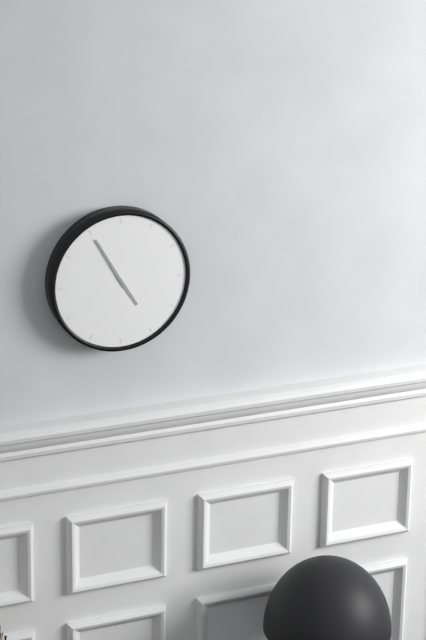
4:55
